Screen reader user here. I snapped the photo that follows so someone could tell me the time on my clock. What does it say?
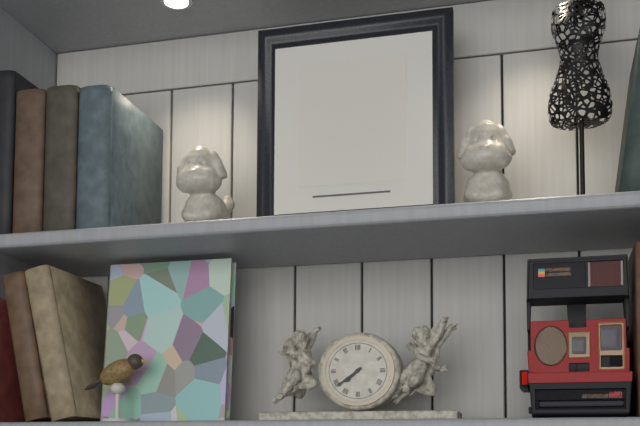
7:39
